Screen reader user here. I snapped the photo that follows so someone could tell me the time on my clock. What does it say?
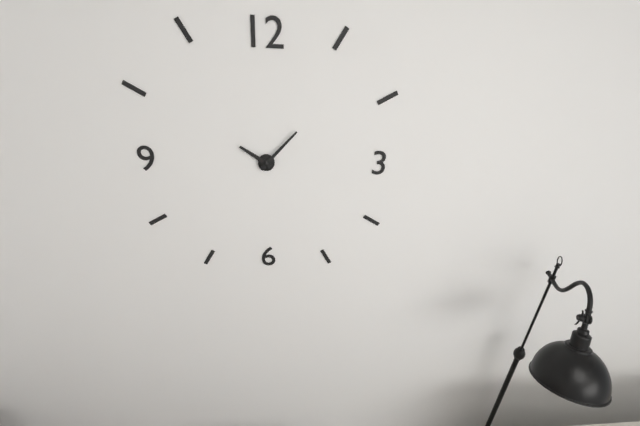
10:07
